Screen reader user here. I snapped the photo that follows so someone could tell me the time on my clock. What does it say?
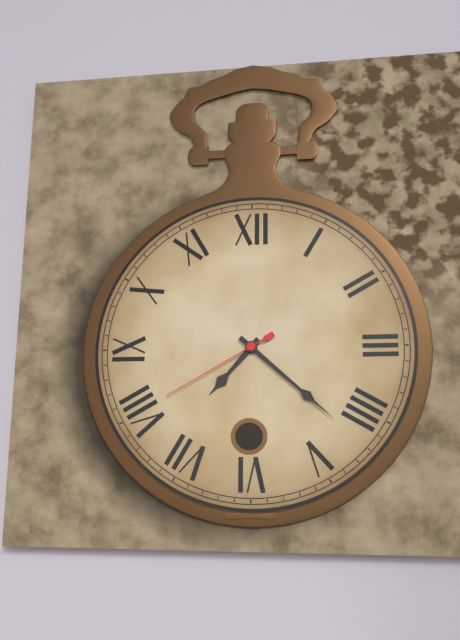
7:22:40
